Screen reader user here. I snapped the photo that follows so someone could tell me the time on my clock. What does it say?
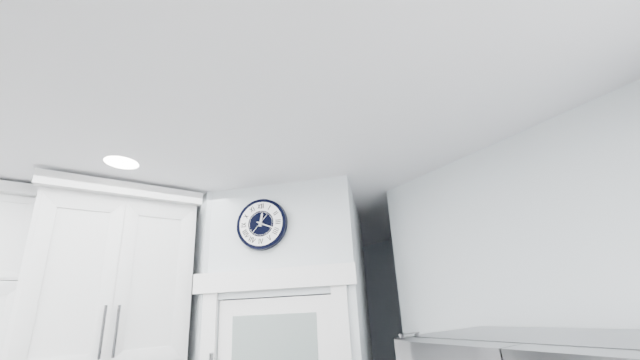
12:19
